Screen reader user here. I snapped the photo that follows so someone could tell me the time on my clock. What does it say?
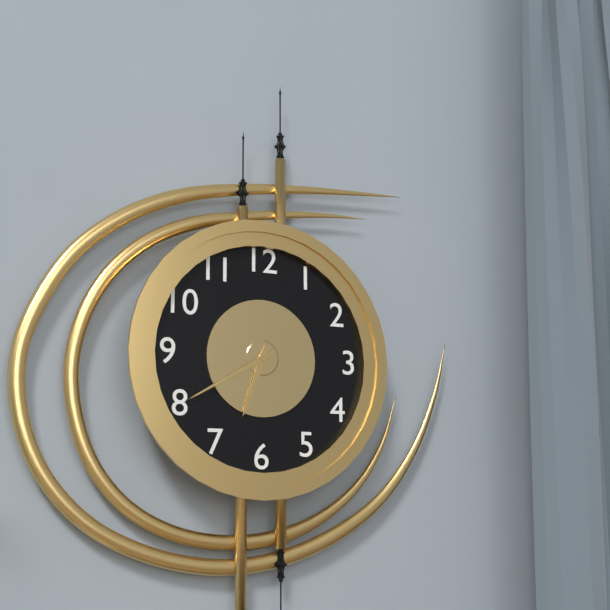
6:40
